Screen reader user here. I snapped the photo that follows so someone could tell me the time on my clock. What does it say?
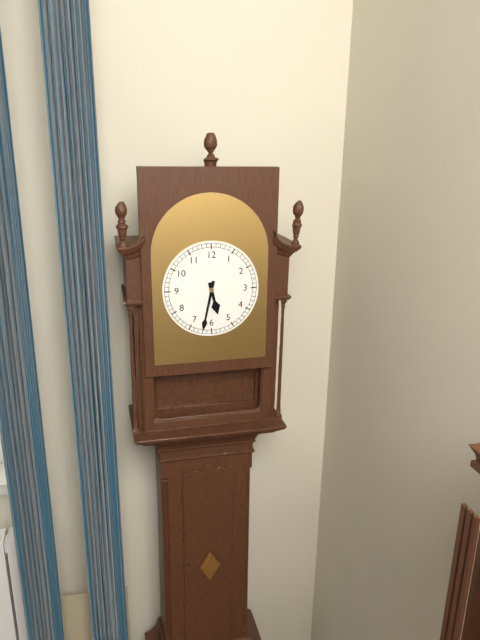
5:32
